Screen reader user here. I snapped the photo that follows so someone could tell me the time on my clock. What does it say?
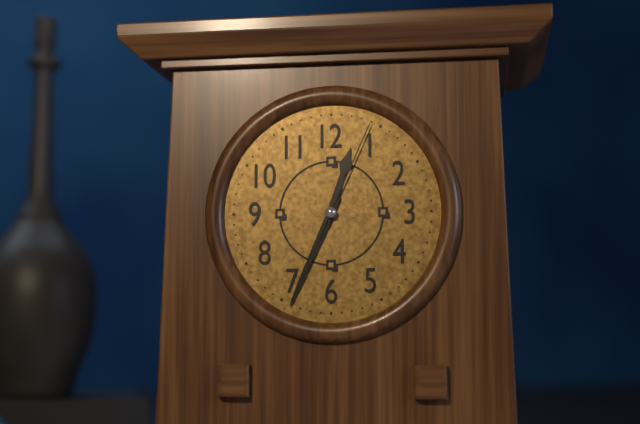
12:34:04
